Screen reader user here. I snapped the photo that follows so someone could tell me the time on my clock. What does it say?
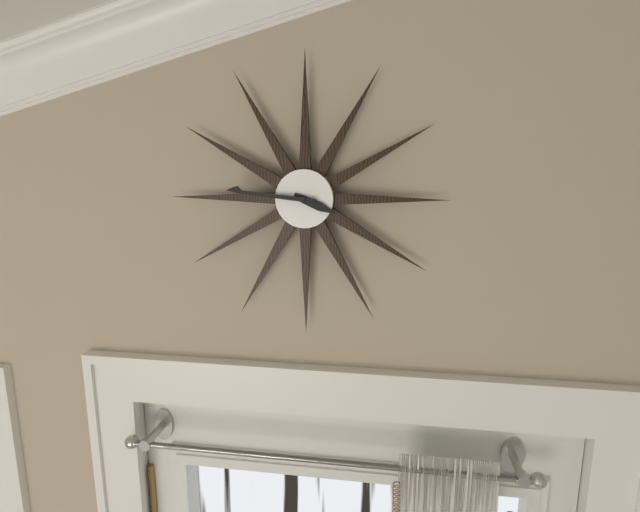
3:46
